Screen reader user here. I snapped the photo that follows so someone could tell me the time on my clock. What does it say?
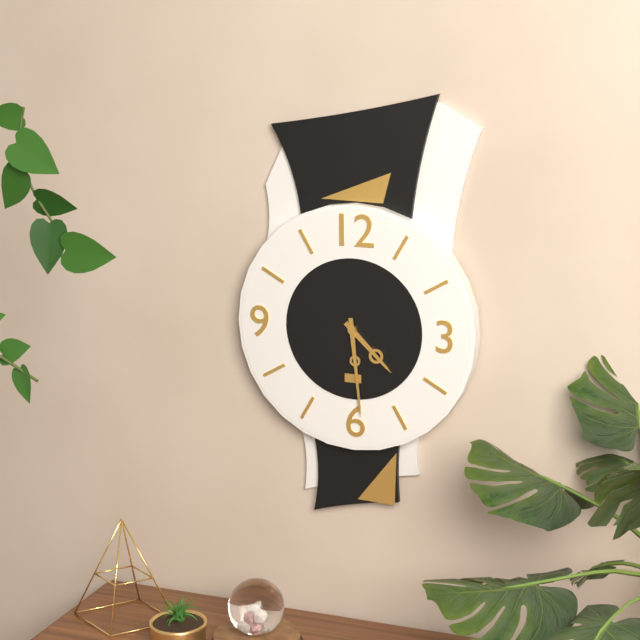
4:29
